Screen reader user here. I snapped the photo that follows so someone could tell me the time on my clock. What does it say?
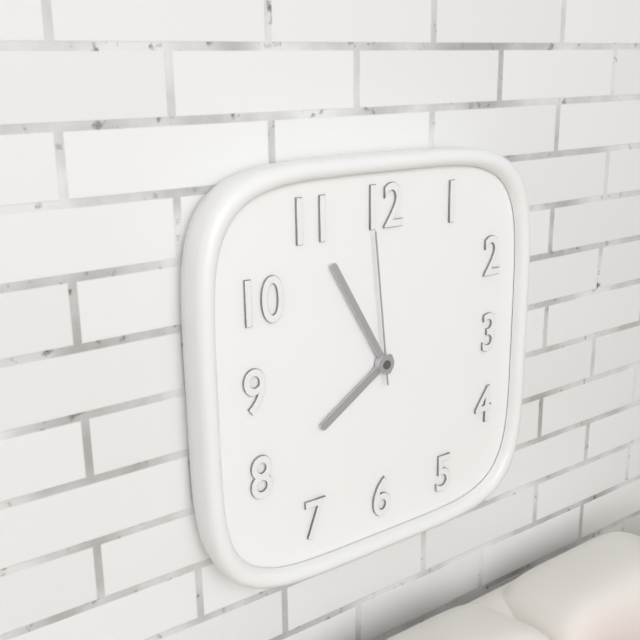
7:55:59
